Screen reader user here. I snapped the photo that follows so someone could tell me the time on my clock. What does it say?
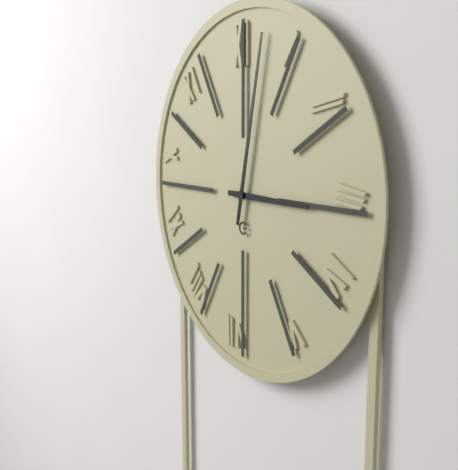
3:02
